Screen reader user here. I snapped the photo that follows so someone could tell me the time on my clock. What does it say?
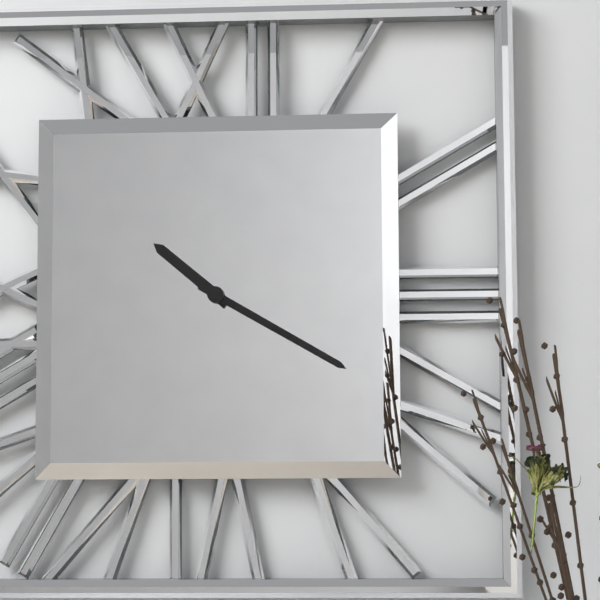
10:20
